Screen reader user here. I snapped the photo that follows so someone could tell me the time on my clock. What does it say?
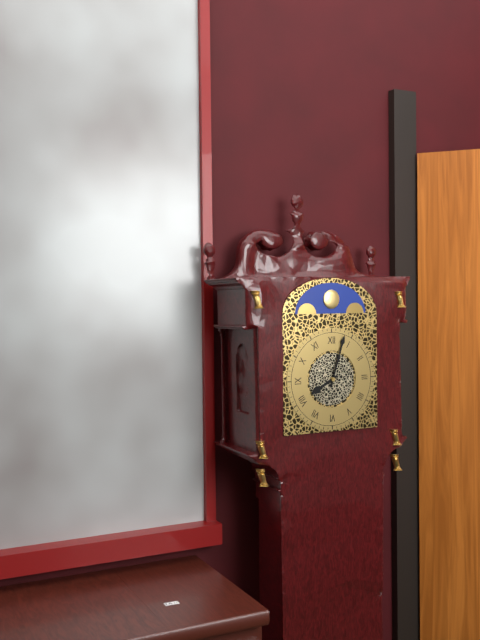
8:03
